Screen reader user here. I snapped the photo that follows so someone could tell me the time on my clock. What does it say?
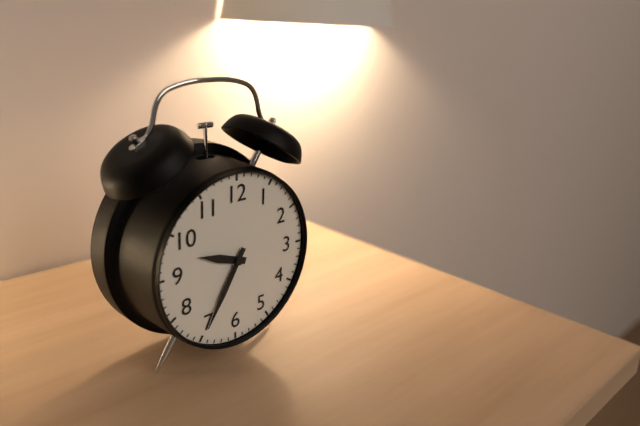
9:35
